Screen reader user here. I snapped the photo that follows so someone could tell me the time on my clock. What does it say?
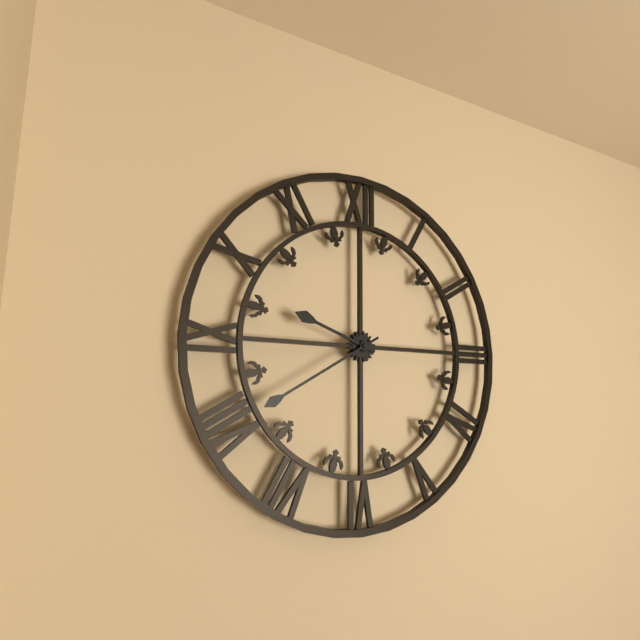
9:40
